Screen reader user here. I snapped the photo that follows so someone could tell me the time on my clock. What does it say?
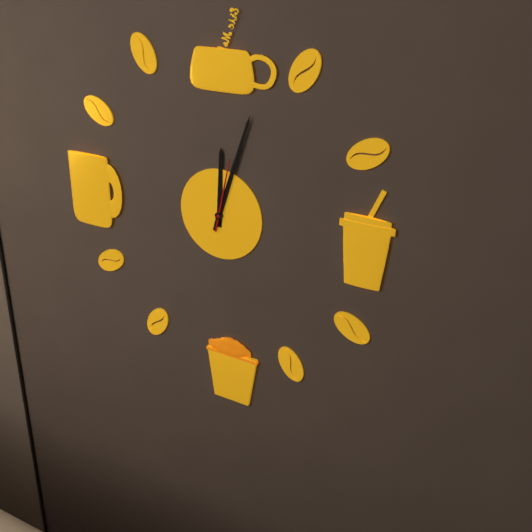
12:03:02
